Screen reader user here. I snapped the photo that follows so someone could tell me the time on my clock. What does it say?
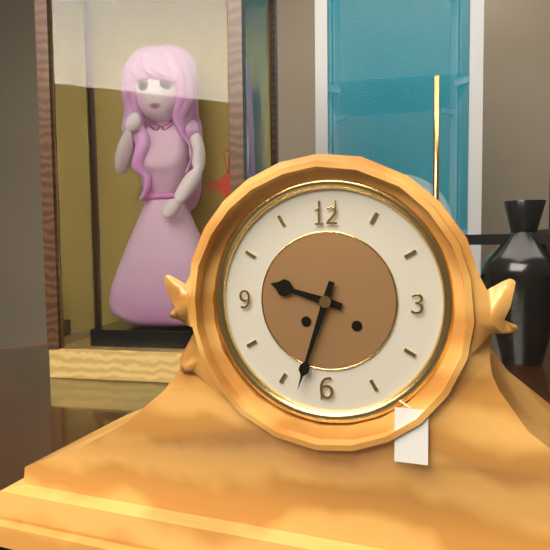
9:33
